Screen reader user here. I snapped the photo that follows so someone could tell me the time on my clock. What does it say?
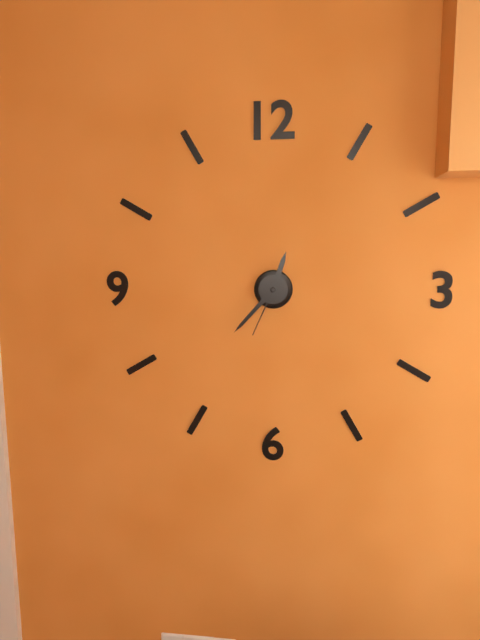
12:37:34
